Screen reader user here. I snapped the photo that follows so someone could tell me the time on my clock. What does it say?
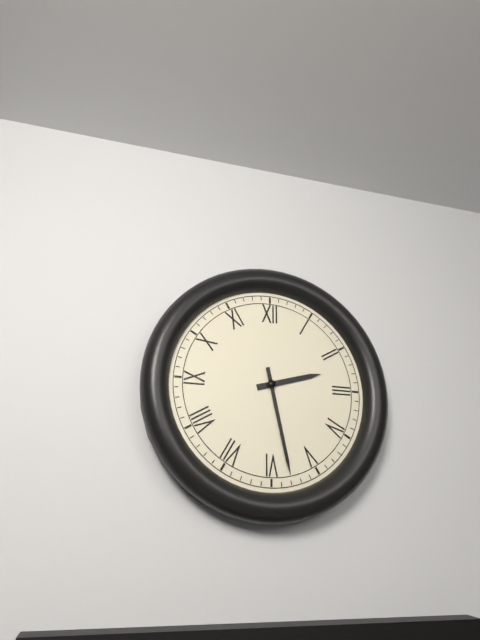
2:28
